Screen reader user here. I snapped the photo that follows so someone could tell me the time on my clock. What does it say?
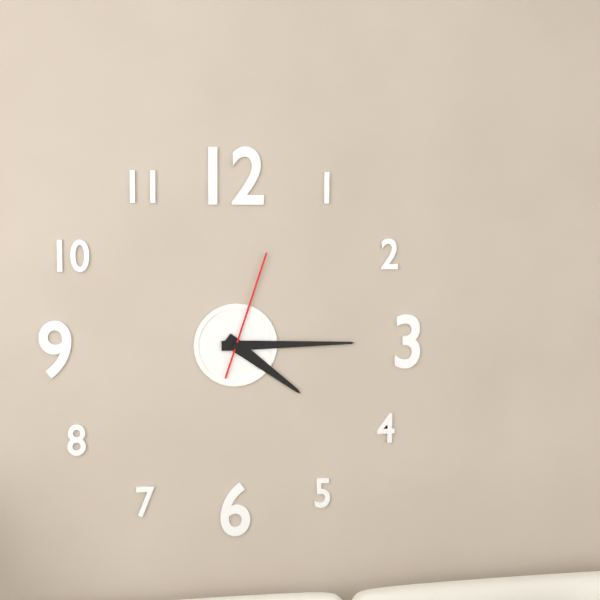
4:15:03
